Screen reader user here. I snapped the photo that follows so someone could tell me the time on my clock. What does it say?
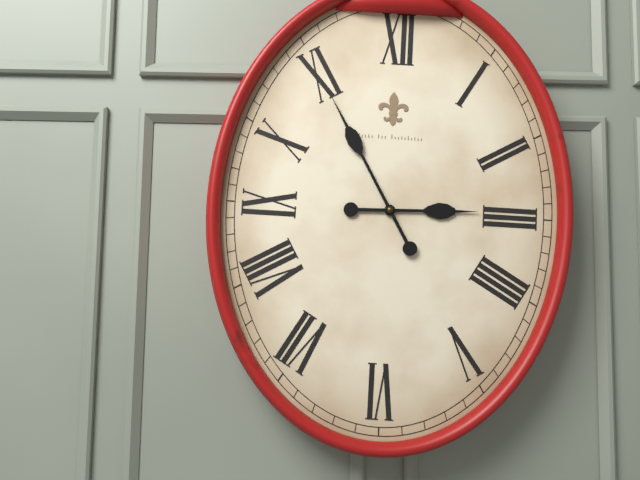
2:55
